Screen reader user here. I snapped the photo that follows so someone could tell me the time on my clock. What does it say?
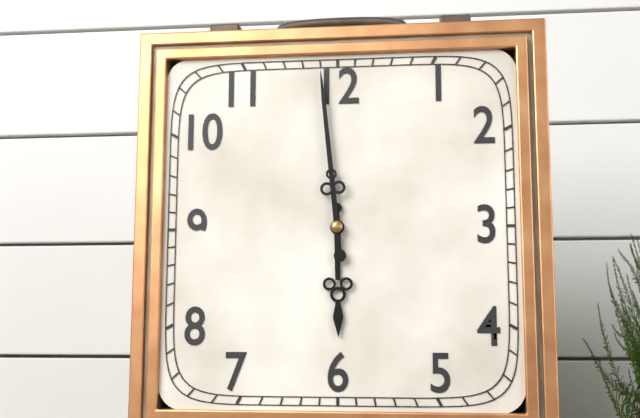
5:59
